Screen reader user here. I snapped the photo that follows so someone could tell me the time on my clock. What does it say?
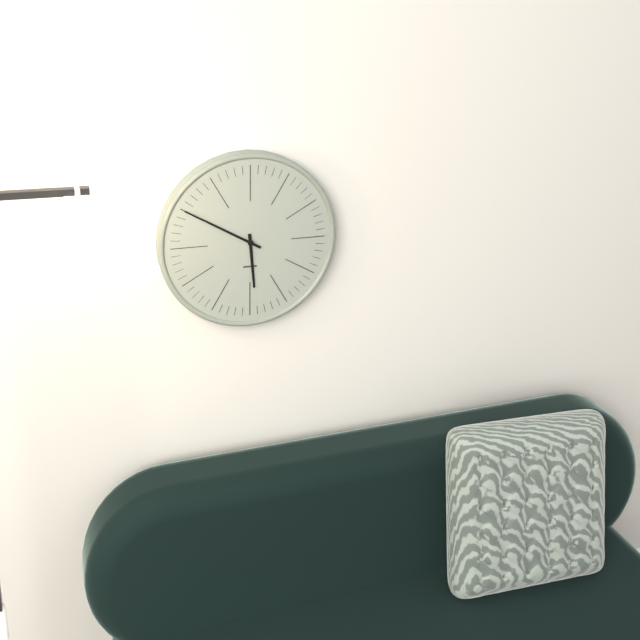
5:50
